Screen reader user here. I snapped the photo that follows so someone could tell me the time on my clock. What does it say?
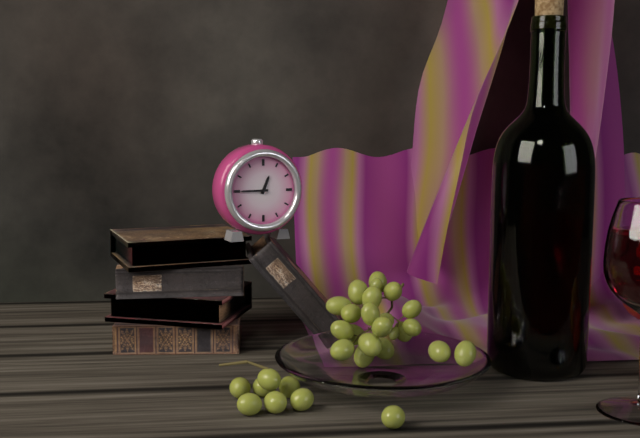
12:45
